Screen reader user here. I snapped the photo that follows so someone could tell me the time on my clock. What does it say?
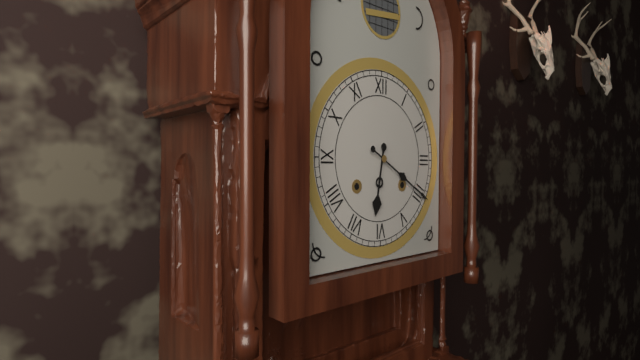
6:20
